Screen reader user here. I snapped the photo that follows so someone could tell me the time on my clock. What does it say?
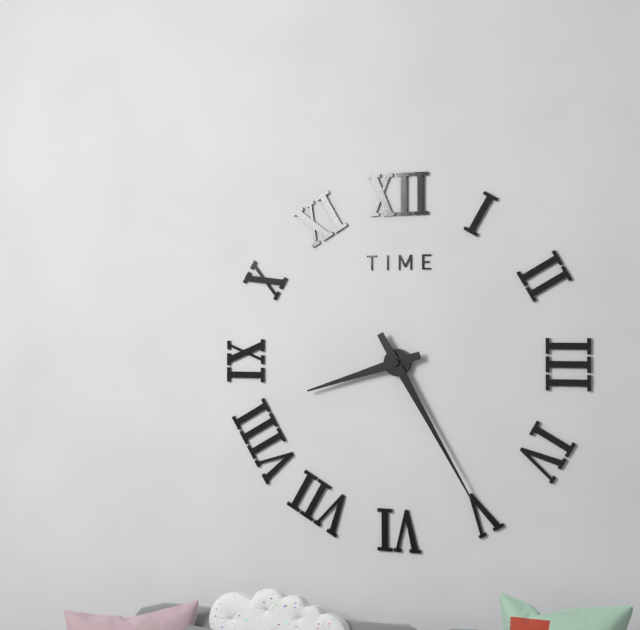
8:25
